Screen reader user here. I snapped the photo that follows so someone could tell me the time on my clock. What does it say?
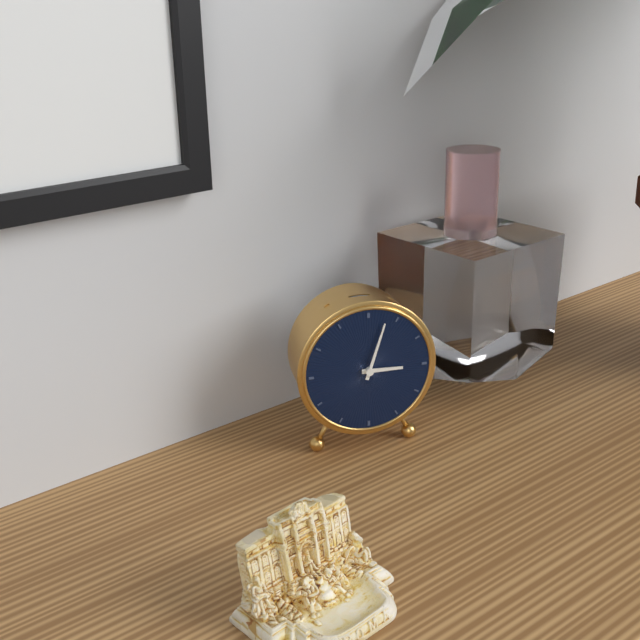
3:03
